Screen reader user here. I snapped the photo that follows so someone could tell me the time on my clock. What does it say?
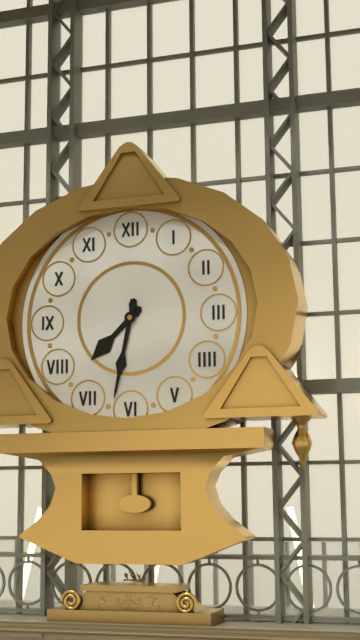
7:32
